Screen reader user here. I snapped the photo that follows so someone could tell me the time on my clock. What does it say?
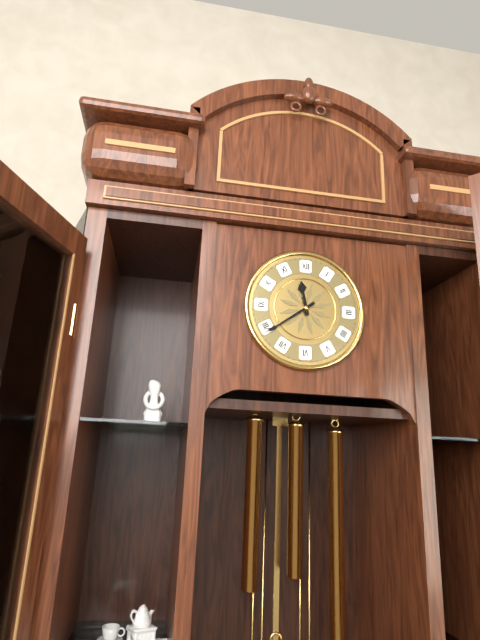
11:39
